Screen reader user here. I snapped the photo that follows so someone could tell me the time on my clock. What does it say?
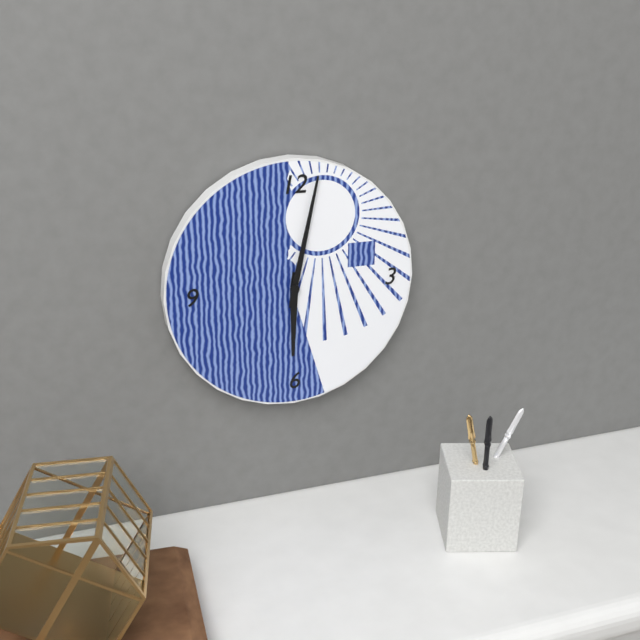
6:02
